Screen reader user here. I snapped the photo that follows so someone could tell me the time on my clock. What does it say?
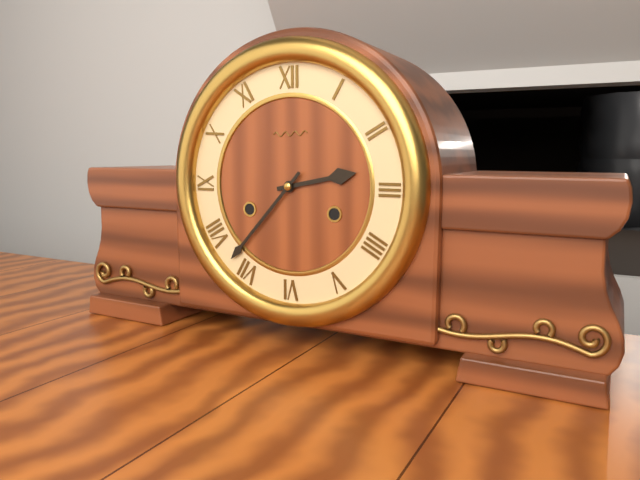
2:37
